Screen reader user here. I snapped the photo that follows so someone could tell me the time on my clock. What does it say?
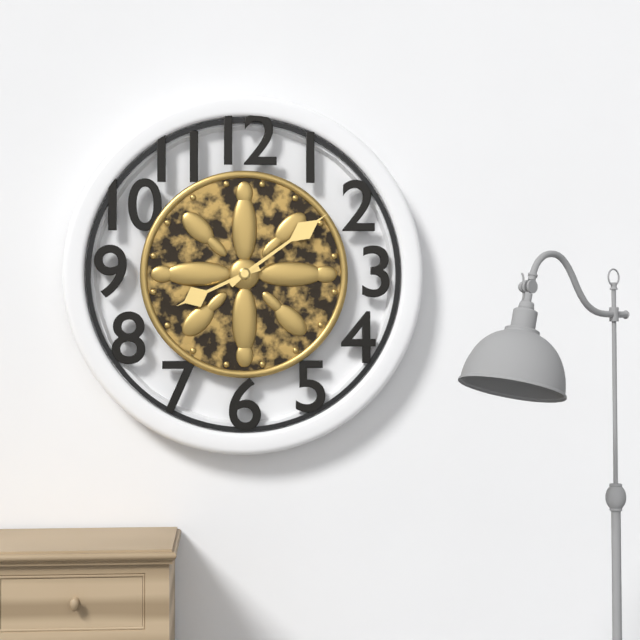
8:09
